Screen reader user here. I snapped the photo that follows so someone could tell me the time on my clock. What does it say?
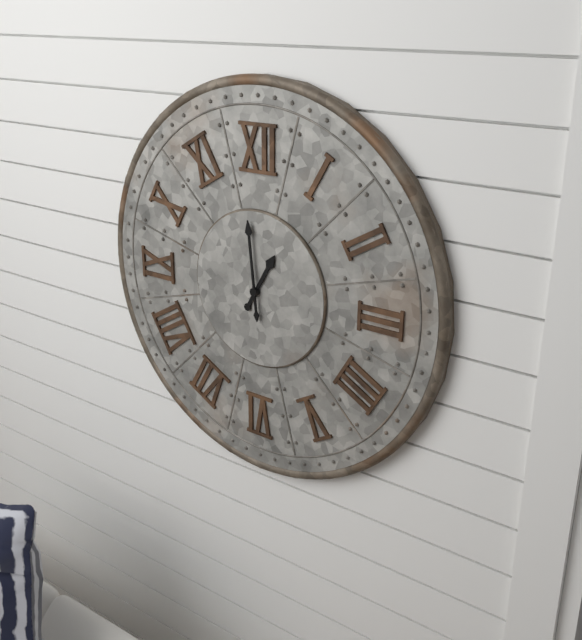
12:59
